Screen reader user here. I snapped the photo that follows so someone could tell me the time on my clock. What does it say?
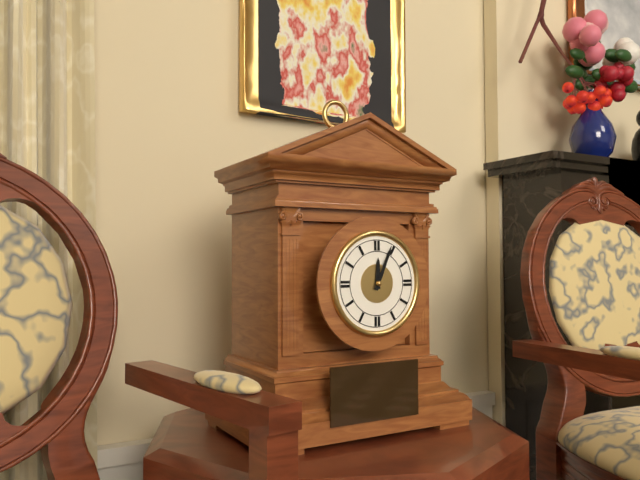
12:04
